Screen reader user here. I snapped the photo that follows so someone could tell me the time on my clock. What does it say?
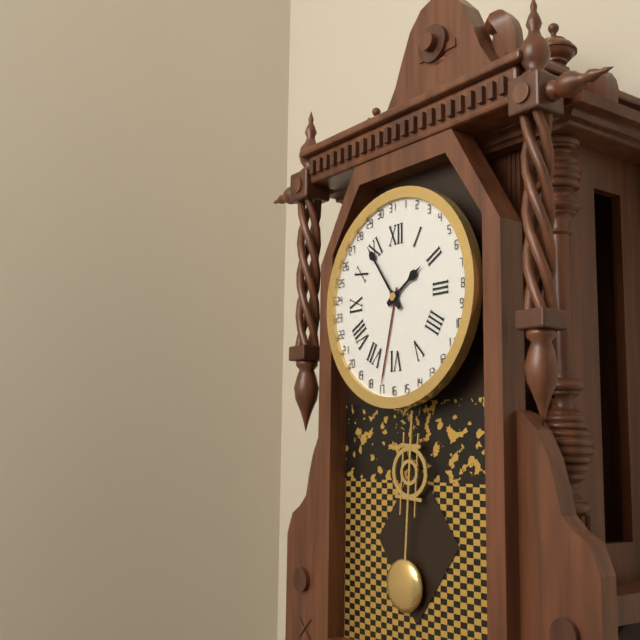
1:54
